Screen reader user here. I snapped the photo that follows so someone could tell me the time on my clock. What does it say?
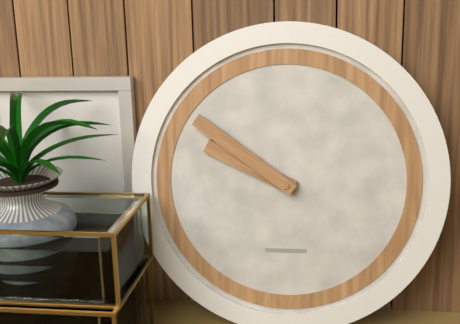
9:51
